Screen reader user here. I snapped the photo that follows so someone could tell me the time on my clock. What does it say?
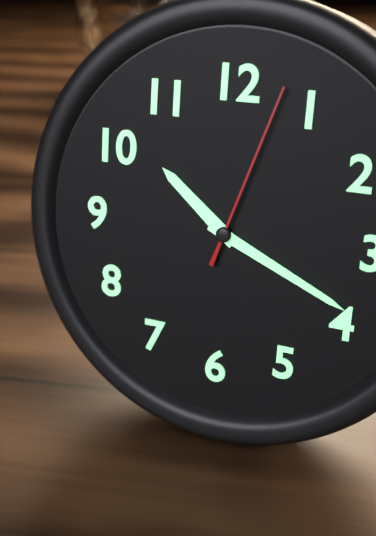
10:19:03
